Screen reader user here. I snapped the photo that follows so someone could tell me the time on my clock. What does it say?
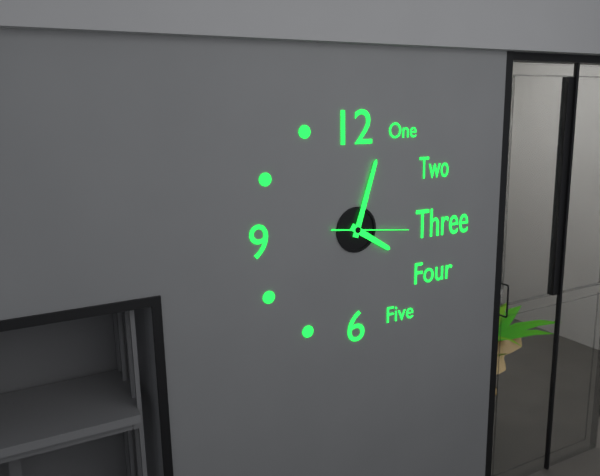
4:03:16
